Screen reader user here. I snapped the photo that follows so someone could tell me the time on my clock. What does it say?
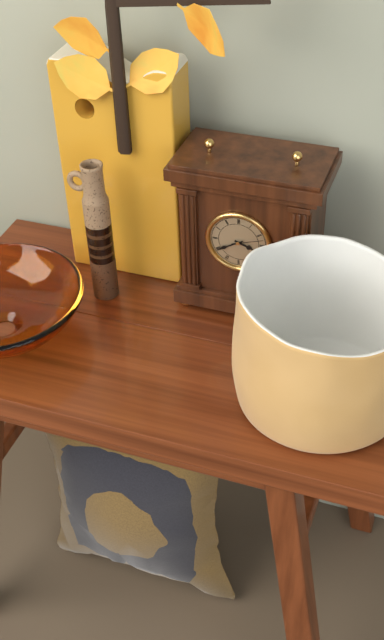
3:40
